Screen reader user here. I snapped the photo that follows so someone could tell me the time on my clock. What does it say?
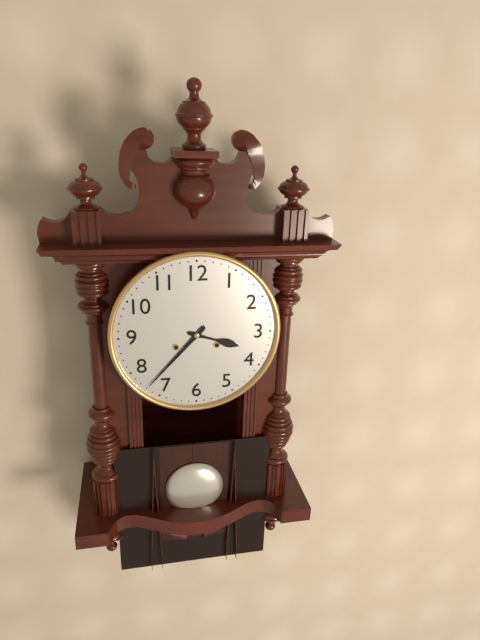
3:37
